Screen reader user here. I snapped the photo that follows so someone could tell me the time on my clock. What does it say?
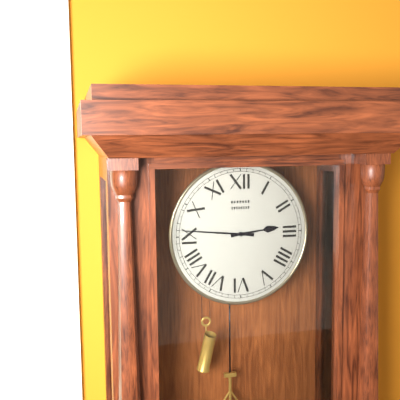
2:46
